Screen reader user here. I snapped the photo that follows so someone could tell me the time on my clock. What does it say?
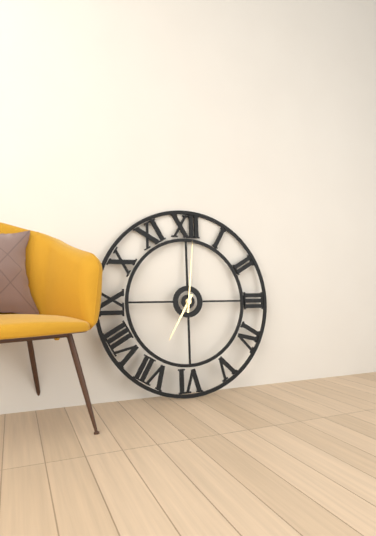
7:01
